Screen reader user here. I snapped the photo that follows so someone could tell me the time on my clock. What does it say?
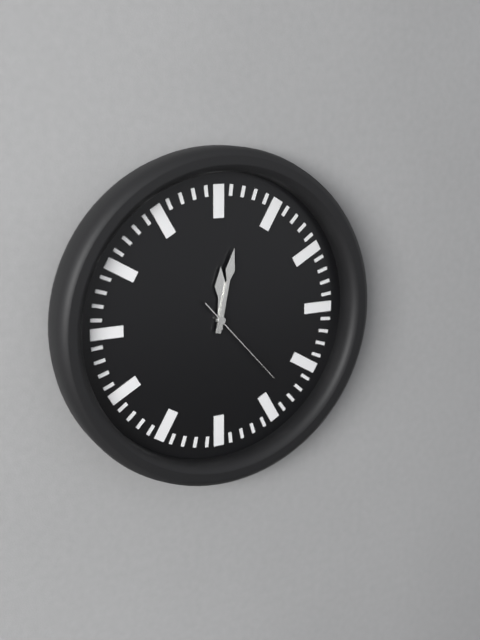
12:02:23
